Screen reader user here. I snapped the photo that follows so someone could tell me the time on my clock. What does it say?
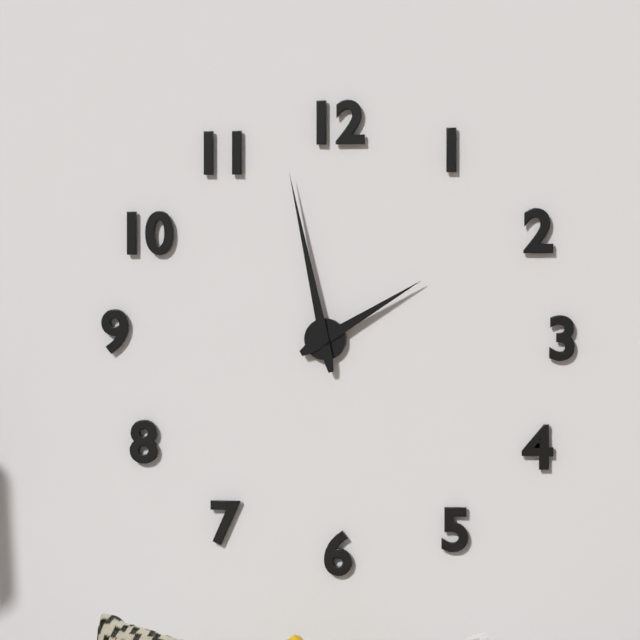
1:58
